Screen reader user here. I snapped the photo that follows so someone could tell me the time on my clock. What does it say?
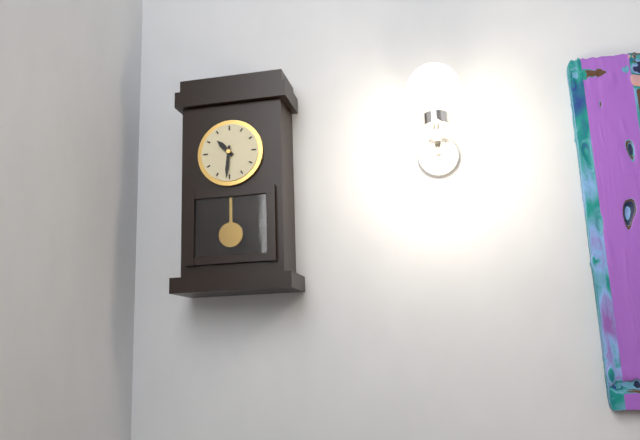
10:31
